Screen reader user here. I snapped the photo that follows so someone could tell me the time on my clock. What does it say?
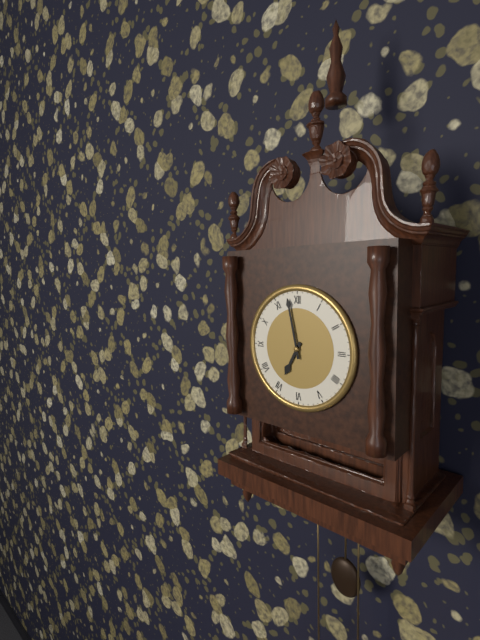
6:58
